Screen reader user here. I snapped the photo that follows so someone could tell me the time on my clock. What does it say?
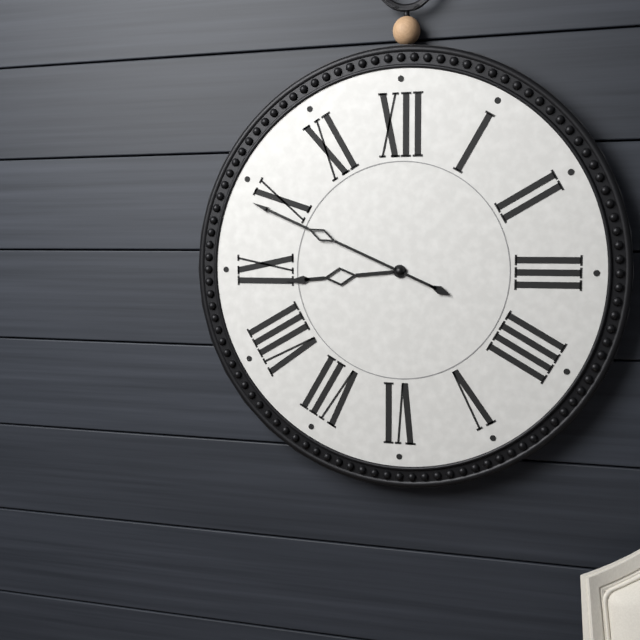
8:49
